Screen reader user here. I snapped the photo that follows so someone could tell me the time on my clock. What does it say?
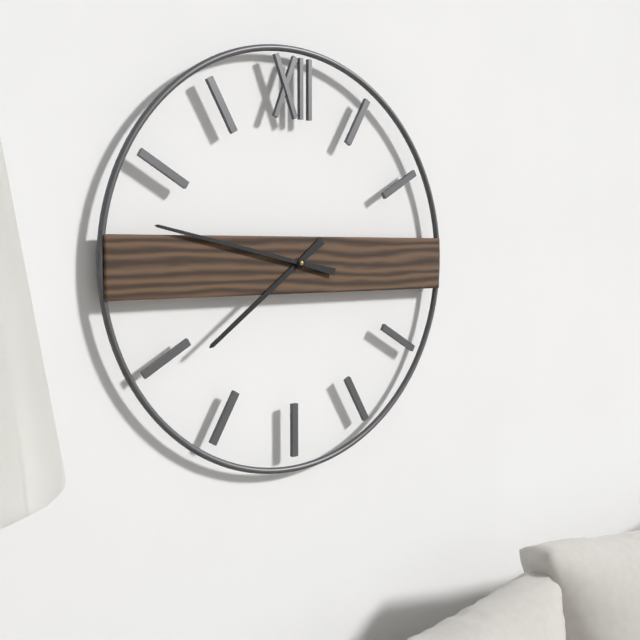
7:47
